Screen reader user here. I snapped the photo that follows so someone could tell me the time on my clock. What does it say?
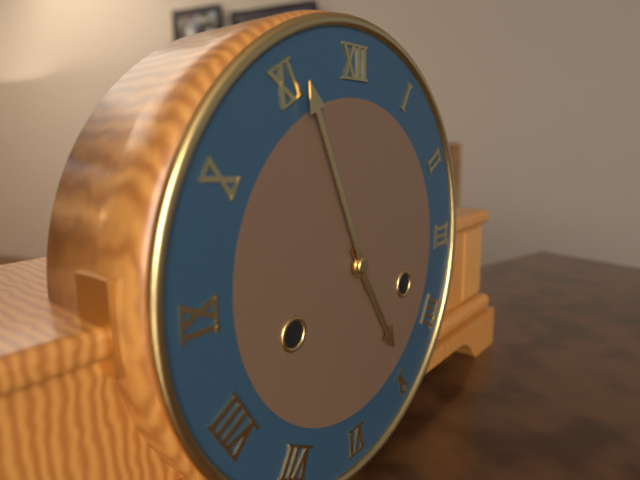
4:56
